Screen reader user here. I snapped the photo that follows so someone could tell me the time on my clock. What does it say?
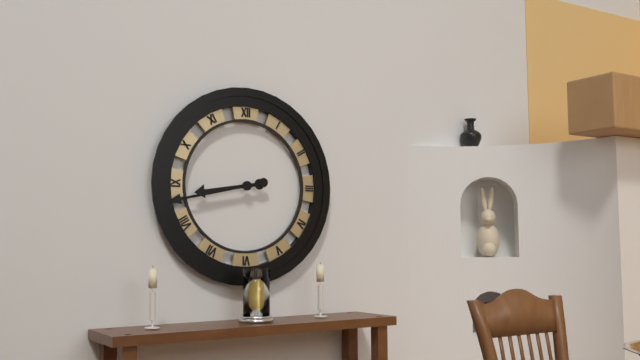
8:43
